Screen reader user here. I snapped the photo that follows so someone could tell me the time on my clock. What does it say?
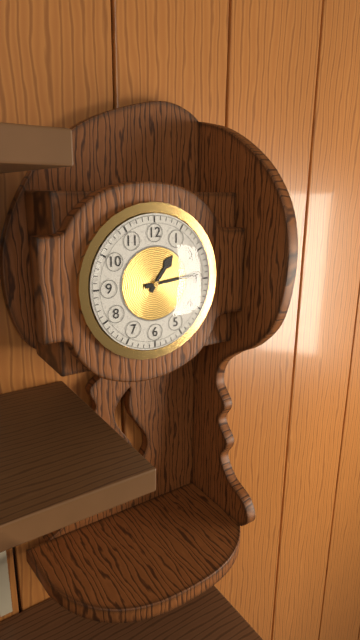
1:14
